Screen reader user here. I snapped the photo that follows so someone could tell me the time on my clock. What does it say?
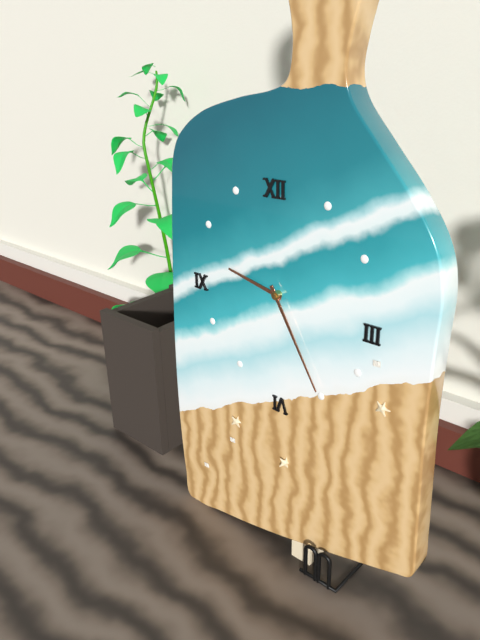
9:25
